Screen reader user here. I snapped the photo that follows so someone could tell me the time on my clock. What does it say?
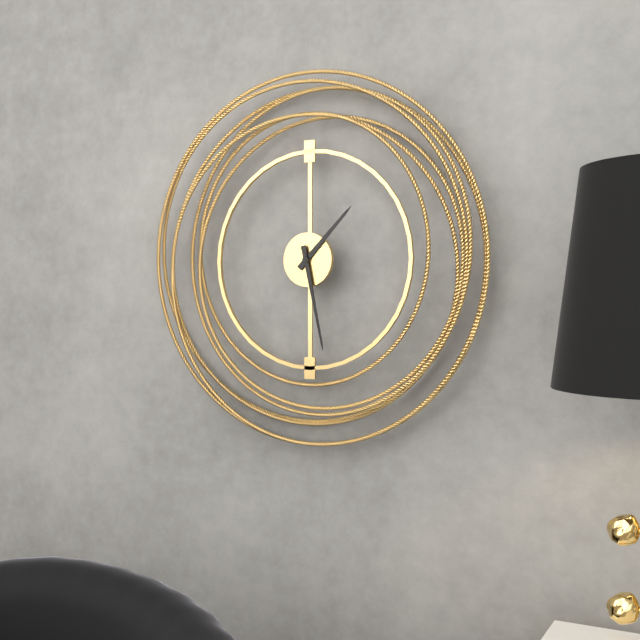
1:28
